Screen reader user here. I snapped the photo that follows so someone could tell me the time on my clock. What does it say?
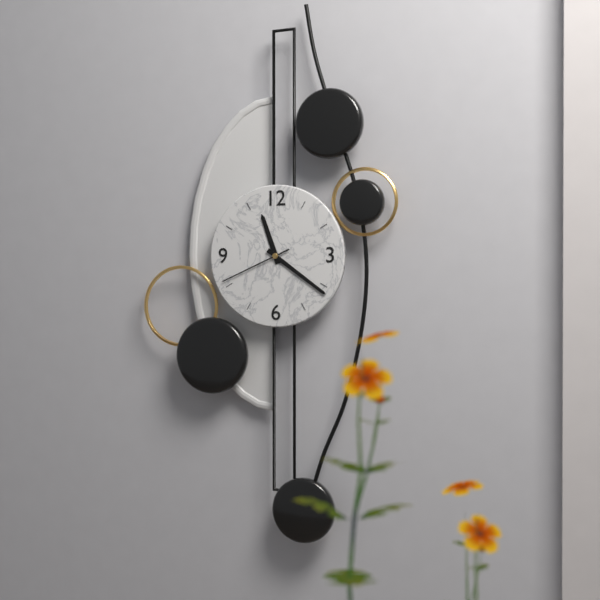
11:21:41
